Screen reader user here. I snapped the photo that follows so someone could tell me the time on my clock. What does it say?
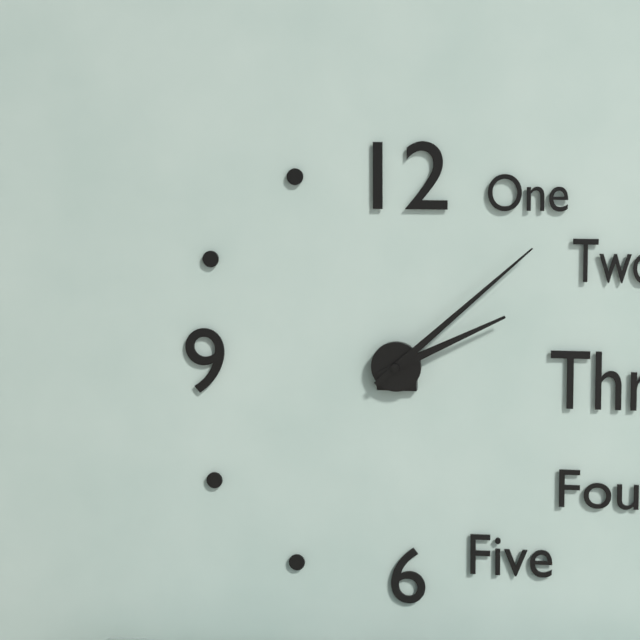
2:08
